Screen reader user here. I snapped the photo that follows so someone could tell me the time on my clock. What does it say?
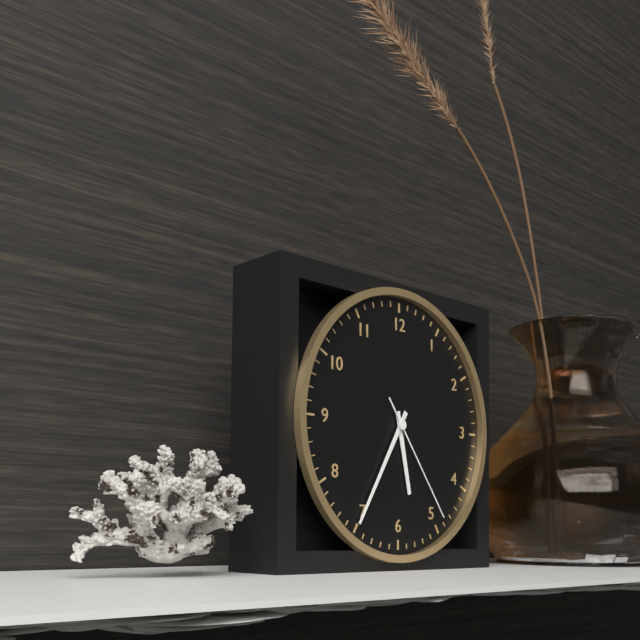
5:35:24
